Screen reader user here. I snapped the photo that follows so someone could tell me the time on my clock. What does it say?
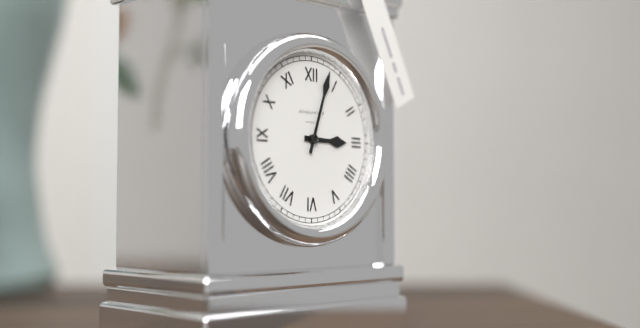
3:03
